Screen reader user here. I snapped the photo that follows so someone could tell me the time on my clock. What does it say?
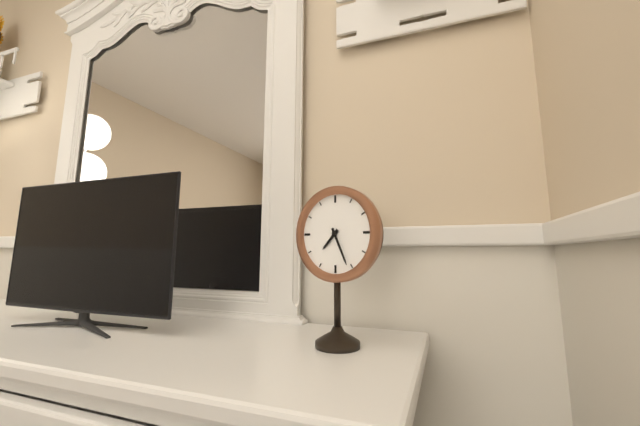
7:26
